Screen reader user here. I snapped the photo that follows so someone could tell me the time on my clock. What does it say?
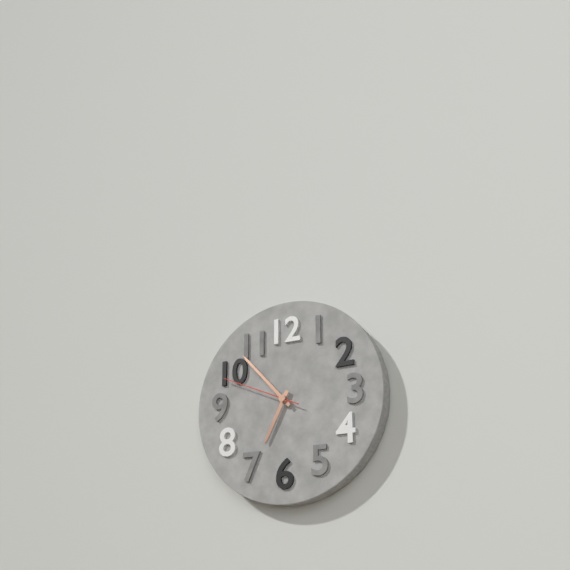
6:53:49
